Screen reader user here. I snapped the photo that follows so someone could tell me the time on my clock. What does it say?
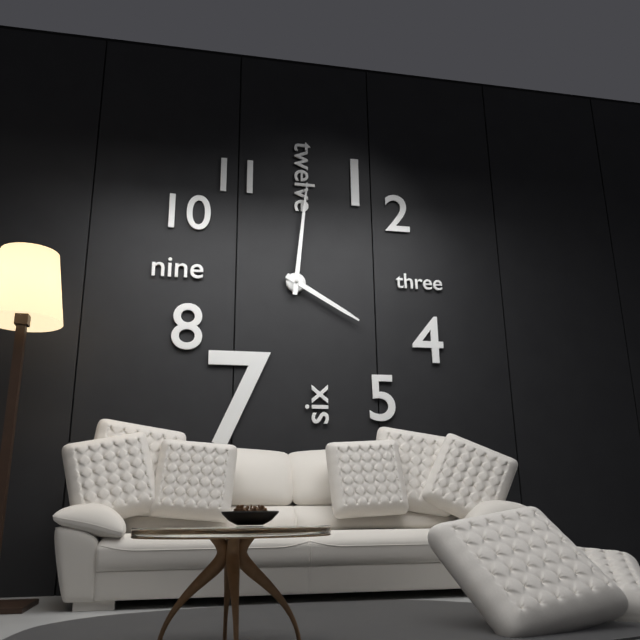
4:01
